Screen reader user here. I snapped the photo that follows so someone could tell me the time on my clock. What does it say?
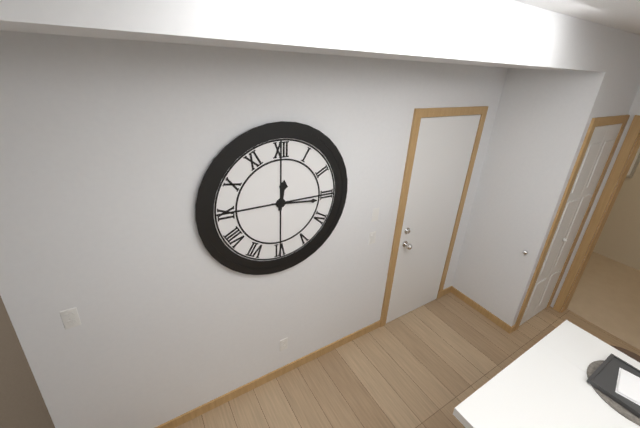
12:16
